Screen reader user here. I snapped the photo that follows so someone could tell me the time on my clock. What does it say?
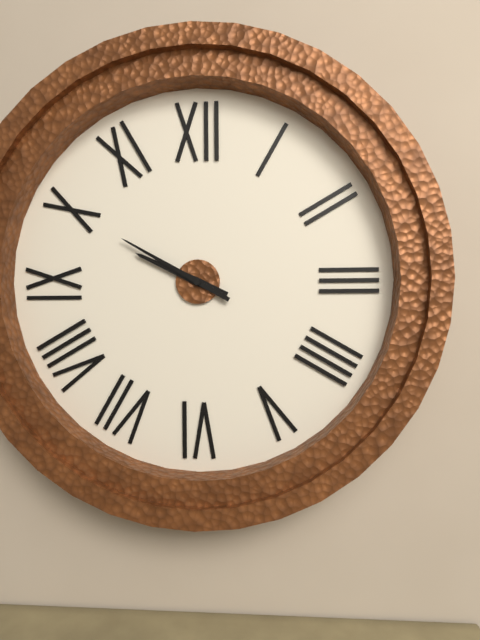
9:50
